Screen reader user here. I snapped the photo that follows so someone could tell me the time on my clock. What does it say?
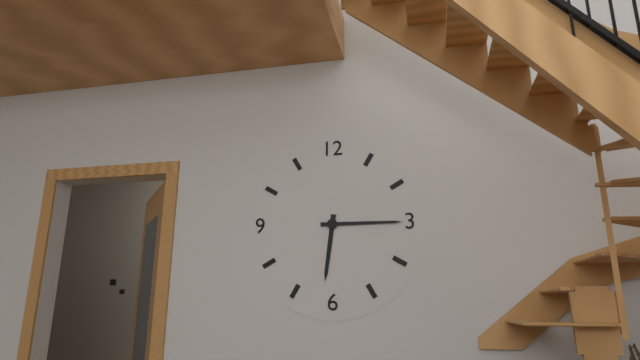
6:15
